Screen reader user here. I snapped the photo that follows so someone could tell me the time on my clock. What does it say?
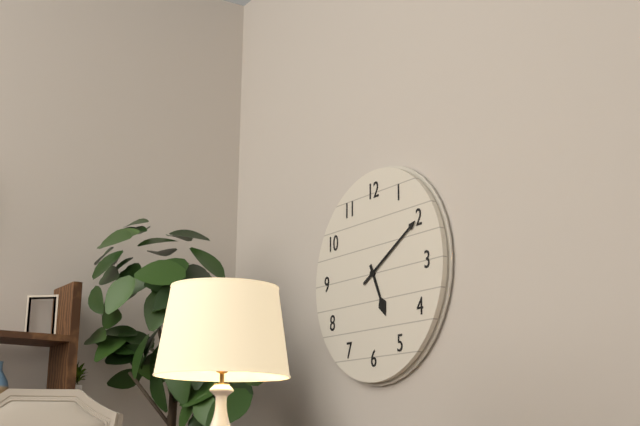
5:10
